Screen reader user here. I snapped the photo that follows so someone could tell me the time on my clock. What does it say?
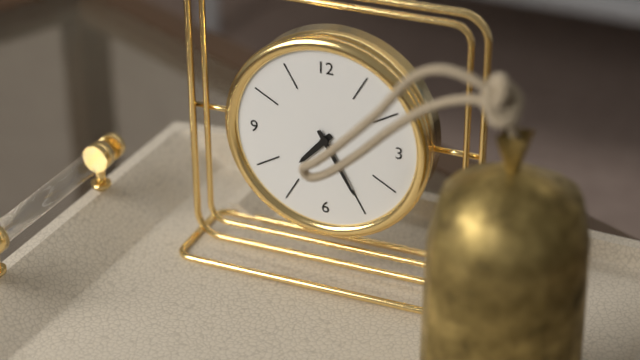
7:25
